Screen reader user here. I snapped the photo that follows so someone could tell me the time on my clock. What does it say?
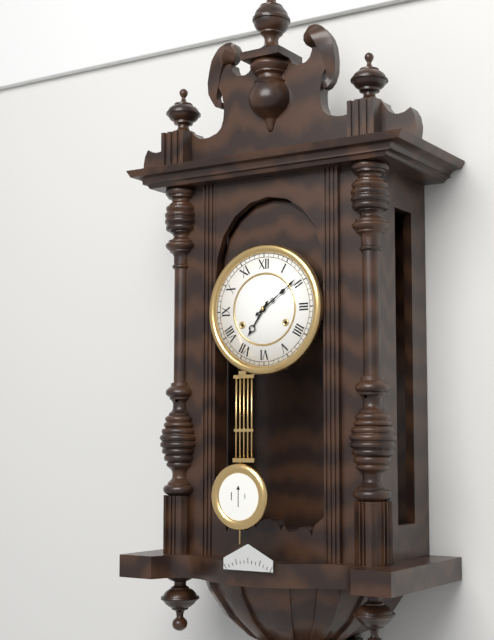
7:09
